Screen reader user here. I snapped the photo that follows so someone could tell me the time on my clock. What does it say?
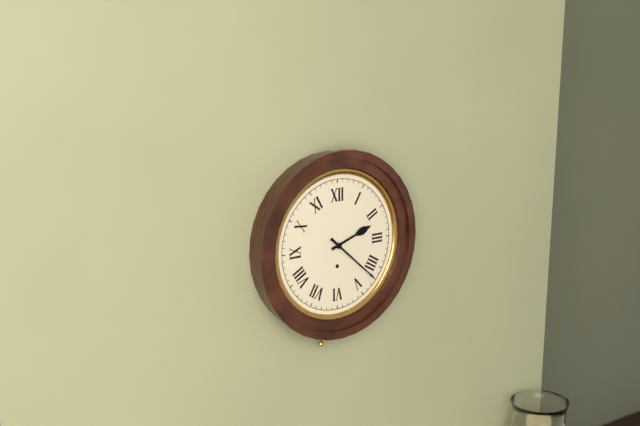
2:22
